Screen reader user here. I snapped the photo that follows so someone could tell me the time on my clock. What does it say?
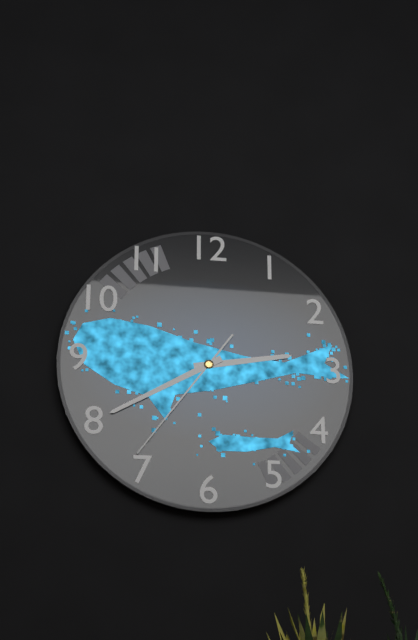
2:40:36
